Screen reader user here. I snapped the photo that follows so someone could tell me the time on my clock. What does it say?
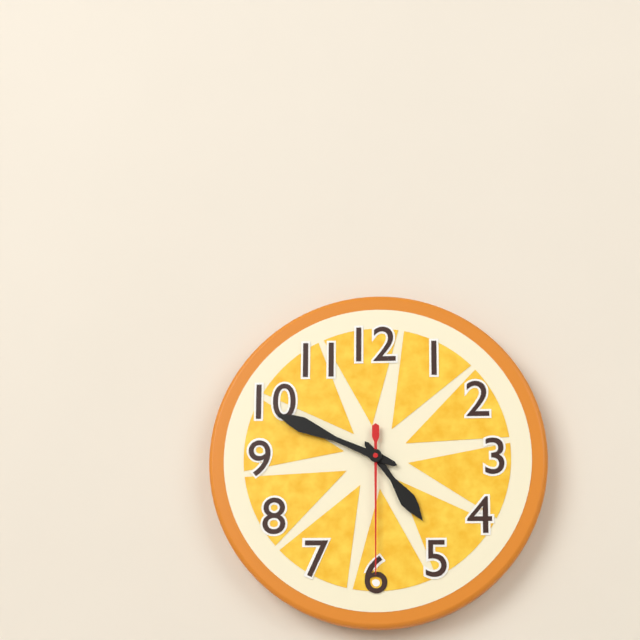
4:49:30
